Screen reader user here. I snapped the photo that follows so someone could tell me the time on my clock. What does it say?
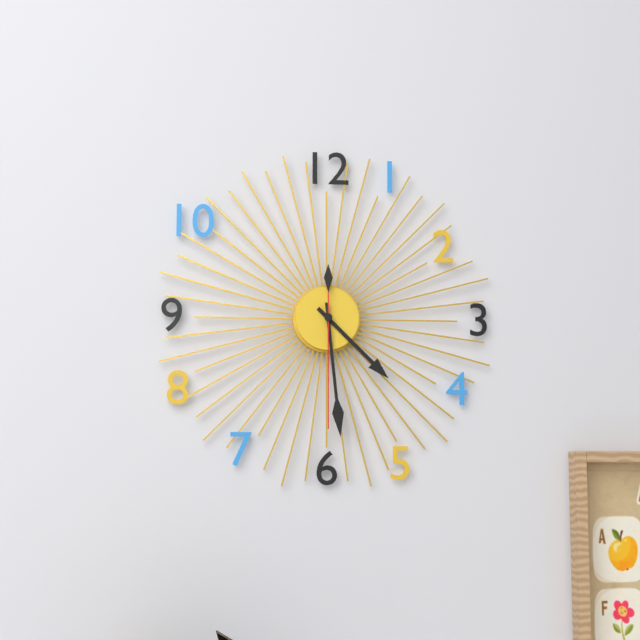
4:29:30
